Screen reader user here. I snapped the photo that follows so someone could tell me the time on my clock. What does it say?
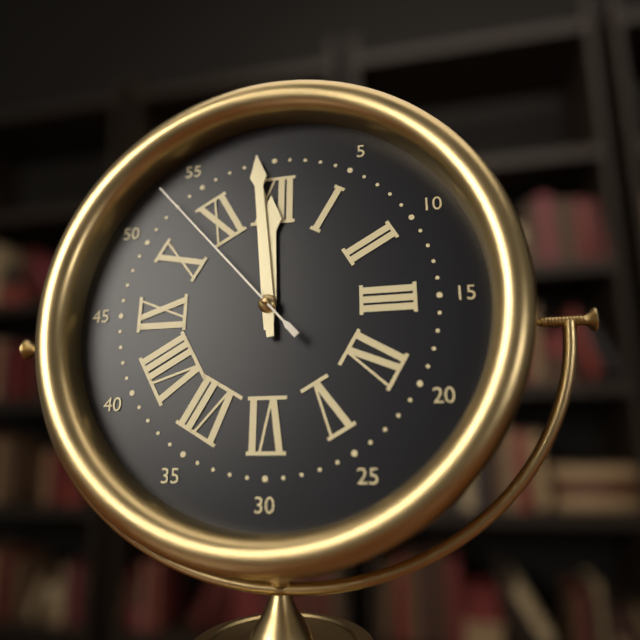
11:59:53
